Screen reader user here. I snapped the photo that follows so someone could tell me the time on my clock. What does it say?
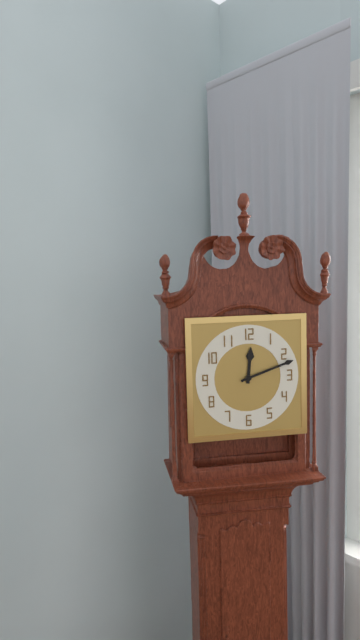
12:12
